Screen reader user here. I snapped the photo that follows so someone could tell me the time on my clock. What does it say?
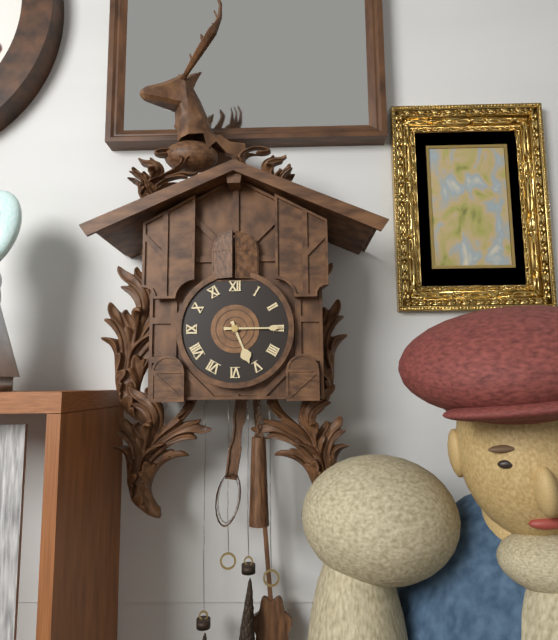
5:15
